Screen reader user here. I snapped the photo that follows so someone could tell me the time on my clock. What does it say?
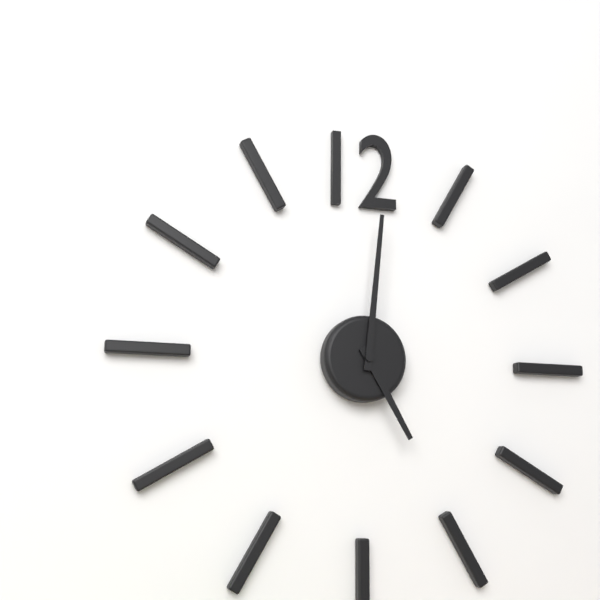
5:01
